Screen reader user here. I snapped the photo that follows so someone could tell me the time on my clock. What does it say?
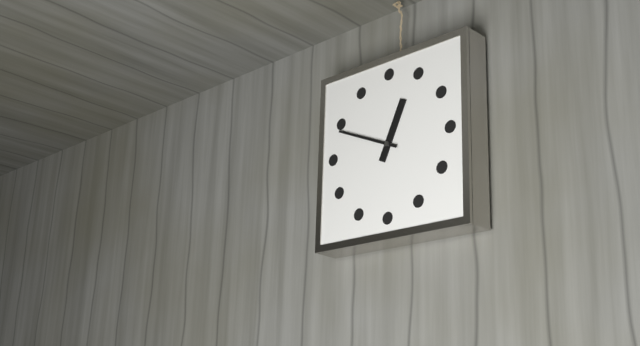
12:49
